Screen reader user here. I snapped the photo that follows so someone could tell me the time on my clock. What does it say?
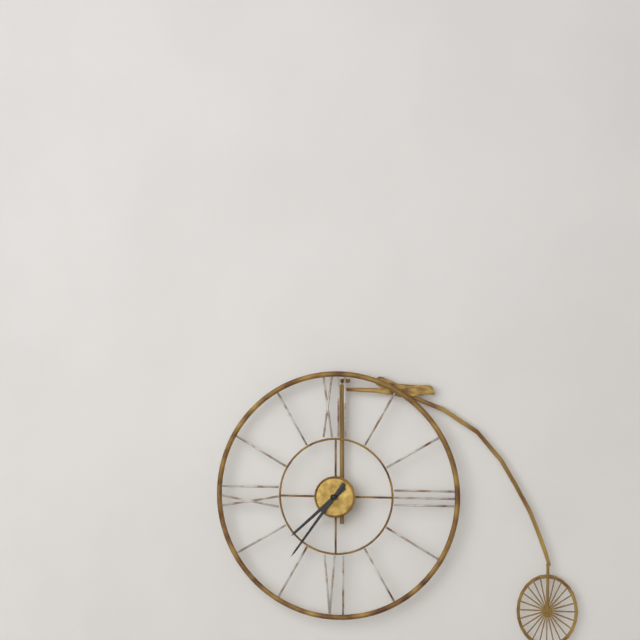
7:36
